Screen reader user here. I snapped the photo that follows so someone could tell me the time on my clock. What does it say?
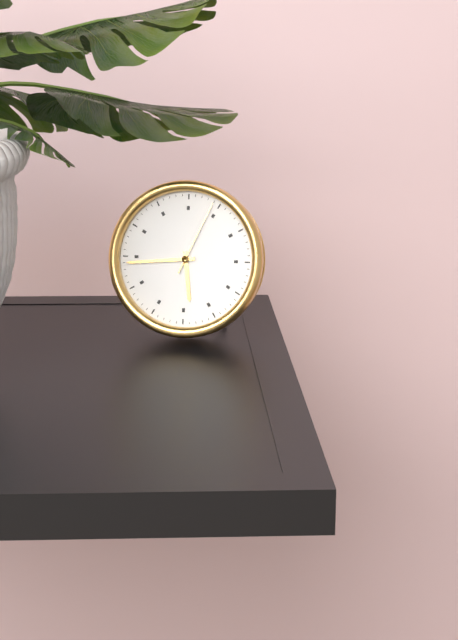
5:44:04
